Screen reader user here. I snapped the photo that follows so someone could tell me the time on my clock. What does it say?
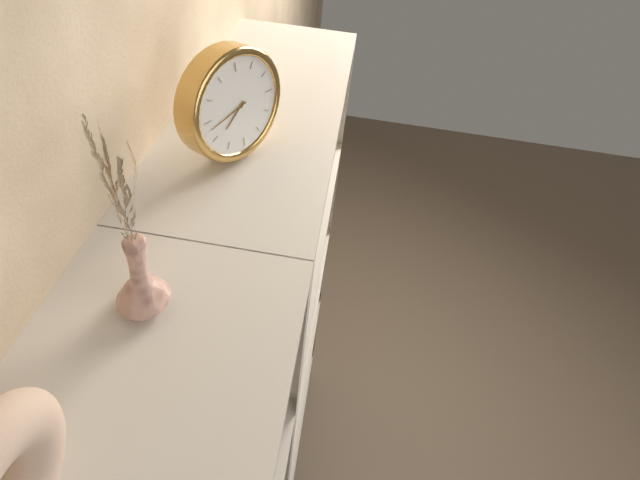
7:43
